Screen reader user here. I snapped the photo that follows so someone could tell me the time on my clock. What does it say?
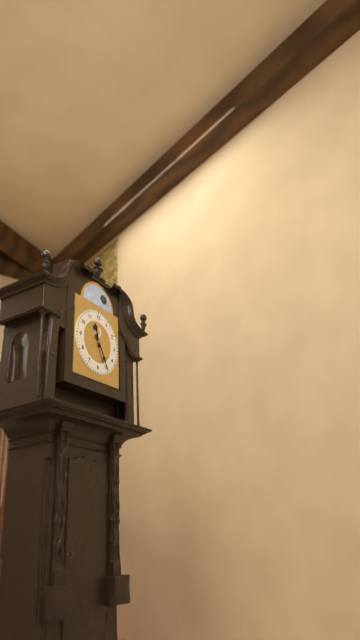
11:25
